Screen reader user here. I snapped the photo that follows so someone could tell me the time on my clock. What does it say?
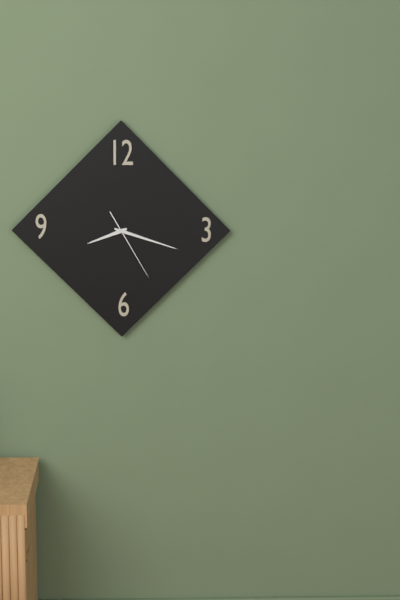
8:18:25
